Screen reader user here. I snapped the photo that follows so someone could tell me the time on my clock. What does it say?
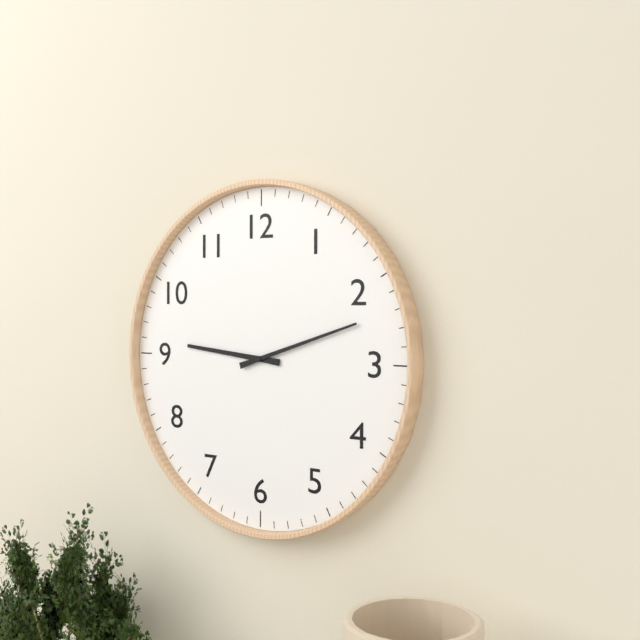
9:12
